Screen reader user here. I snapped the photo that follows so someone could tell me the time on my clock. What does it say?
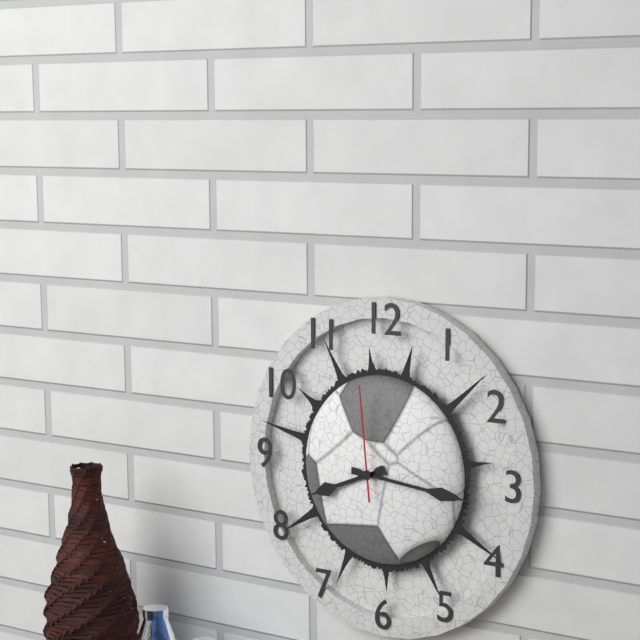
8:16:59
